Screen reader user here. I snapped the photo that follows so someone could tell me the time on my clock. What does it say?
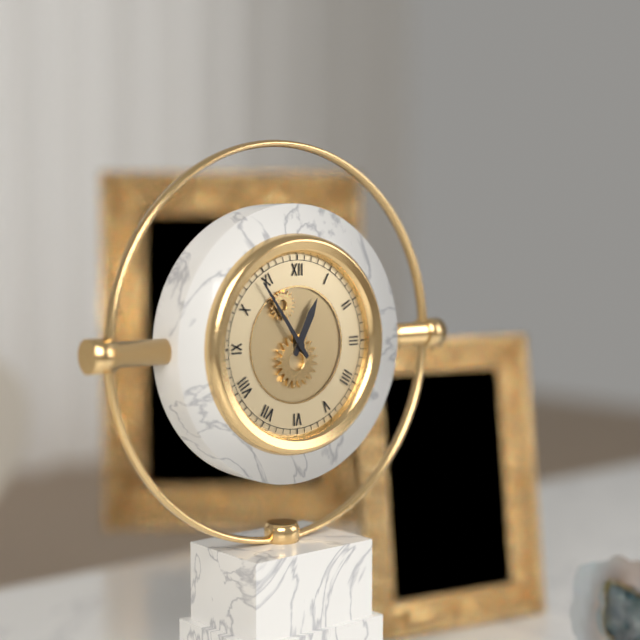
12:54
